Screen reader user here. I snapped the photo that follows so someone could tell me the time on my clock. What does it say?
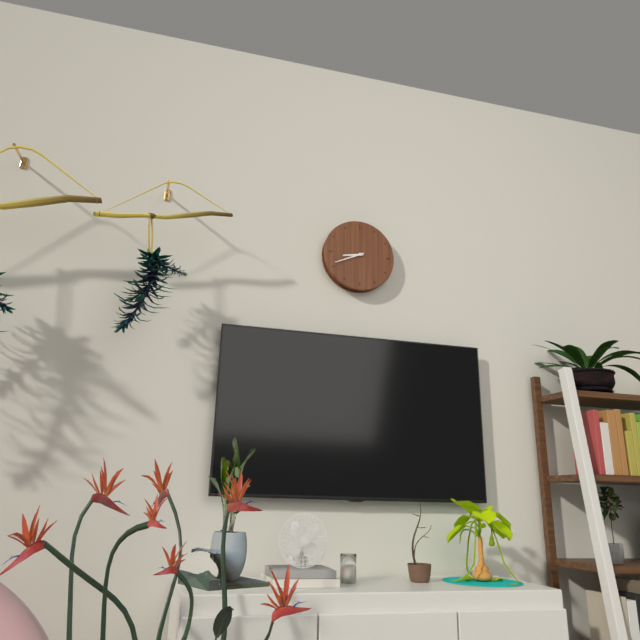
8:41
